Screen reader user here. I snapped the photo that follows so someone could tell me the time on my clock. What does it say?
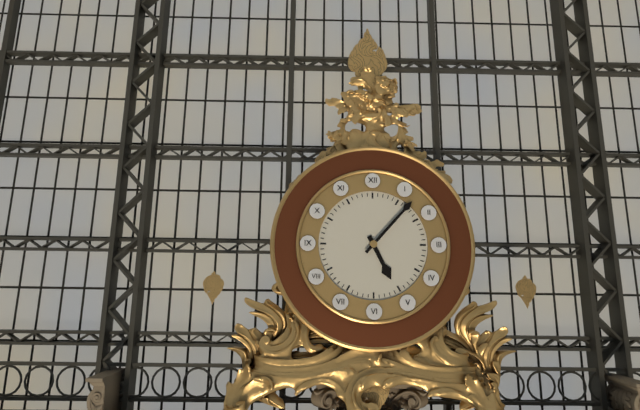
5:07
